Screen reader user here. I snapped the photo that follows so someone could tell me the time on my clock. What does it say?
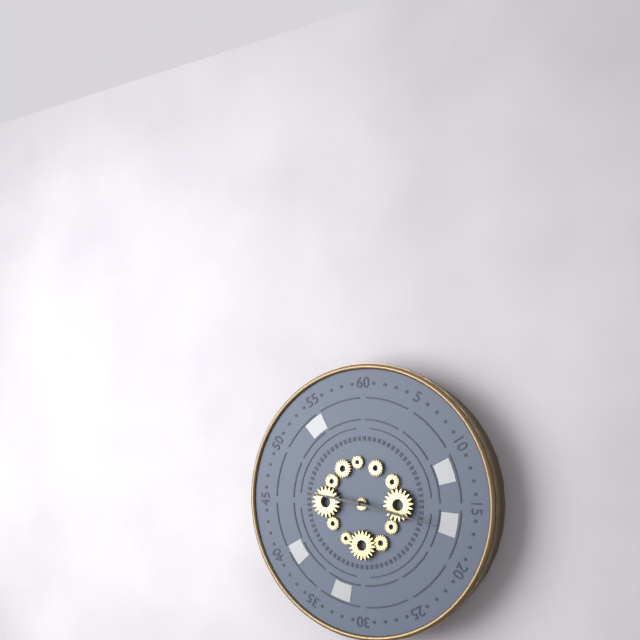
9:17
